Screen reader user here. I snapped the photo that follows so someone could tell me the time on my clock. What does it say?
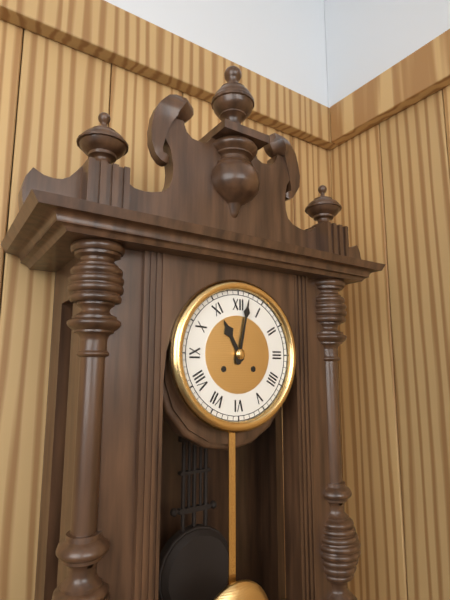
11:02
